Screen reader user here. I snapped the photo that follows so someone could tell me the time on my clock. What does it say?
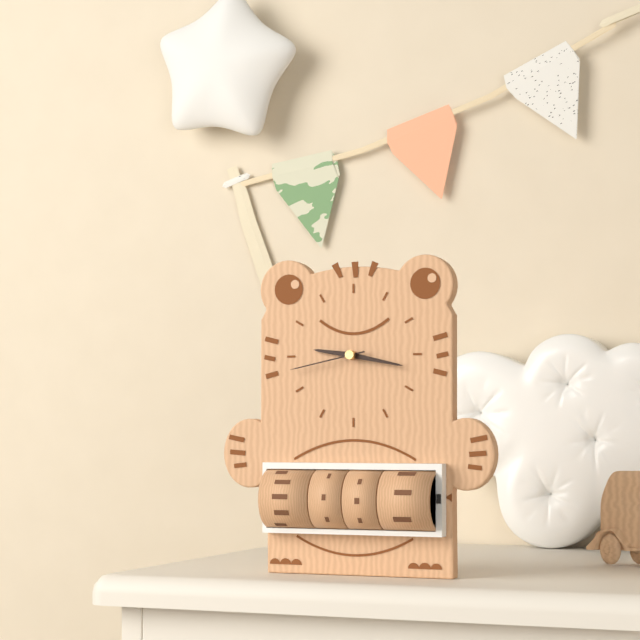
9:17:43
